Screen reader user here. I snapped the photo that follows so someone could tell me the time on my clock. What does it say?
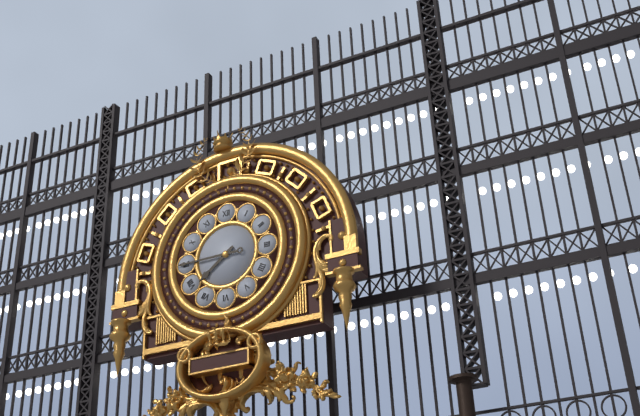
7:45
